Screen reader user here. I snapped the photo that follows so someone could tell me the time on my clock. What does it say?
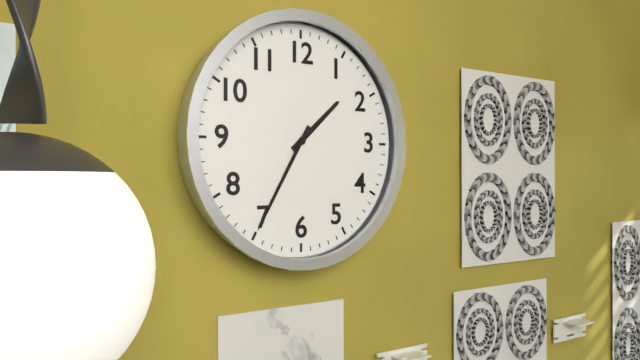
1:35
